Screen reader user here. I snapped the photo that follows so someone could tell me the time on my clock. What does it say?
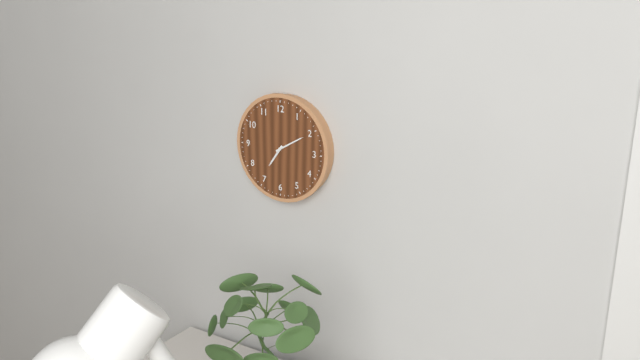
7:10
